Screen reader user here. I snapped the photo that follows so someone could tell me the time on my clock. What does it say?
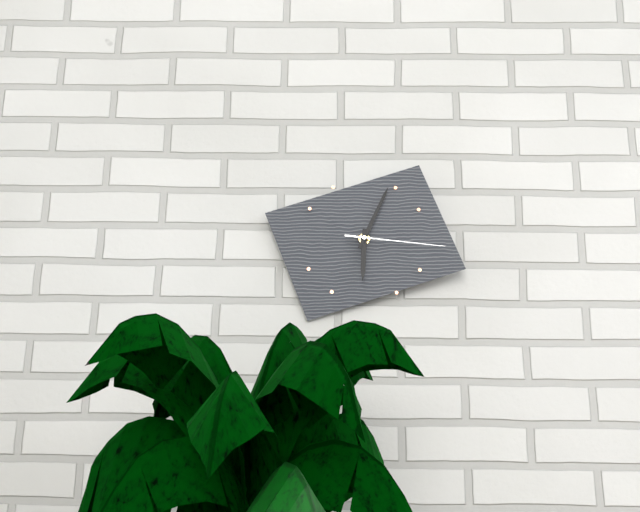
6:04:16
